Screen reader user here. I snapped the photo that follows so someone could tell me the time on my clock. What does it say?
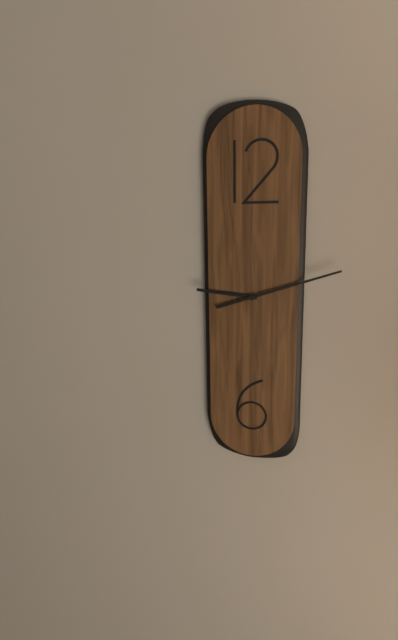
9:12
